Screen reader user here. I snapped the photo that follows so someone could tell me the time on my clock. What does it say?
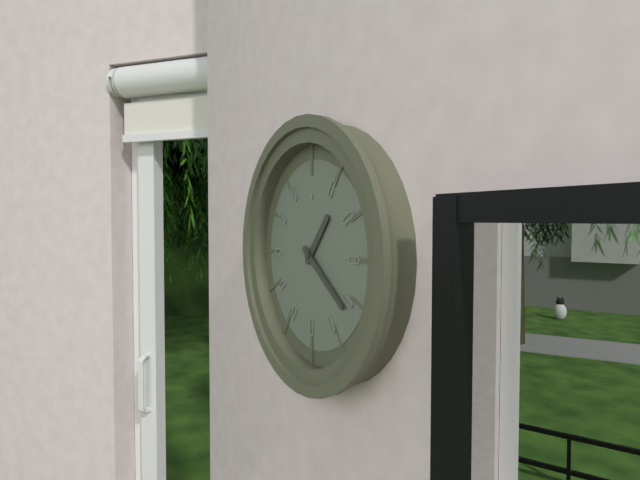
1:21
